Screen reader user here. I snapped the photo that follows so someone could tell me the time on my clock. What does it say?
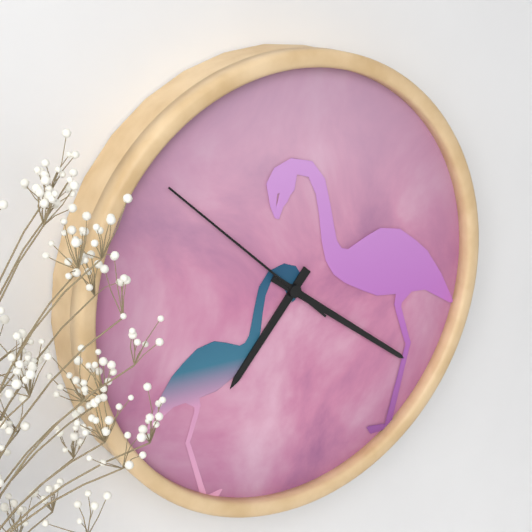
7:21:52
